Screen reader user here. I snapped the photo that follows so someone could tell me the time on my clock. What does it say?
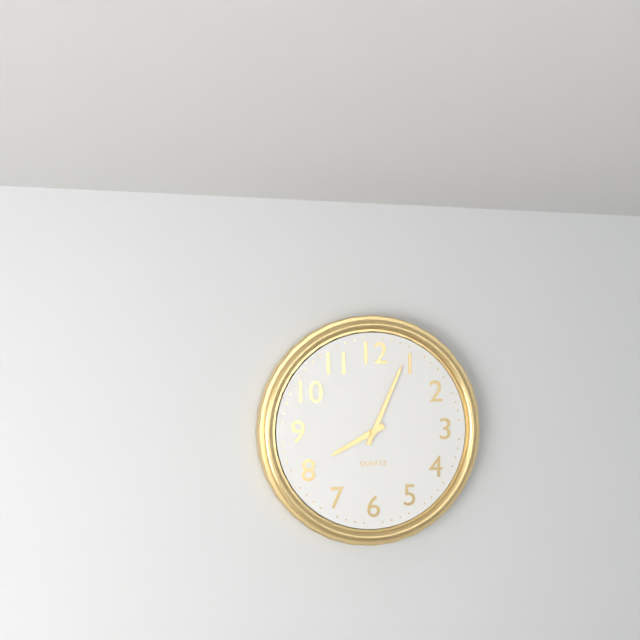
8:04
